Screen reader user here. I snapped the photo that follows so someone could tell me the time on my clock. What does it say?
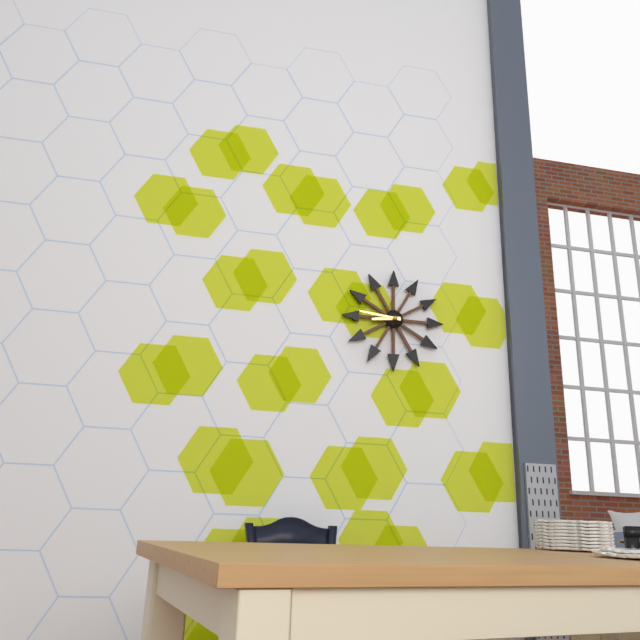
8:46
